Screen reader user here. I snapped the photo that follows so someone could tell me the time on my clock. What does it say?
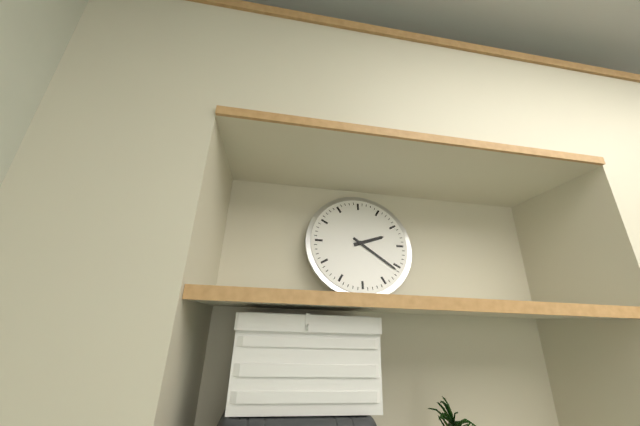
2:21
